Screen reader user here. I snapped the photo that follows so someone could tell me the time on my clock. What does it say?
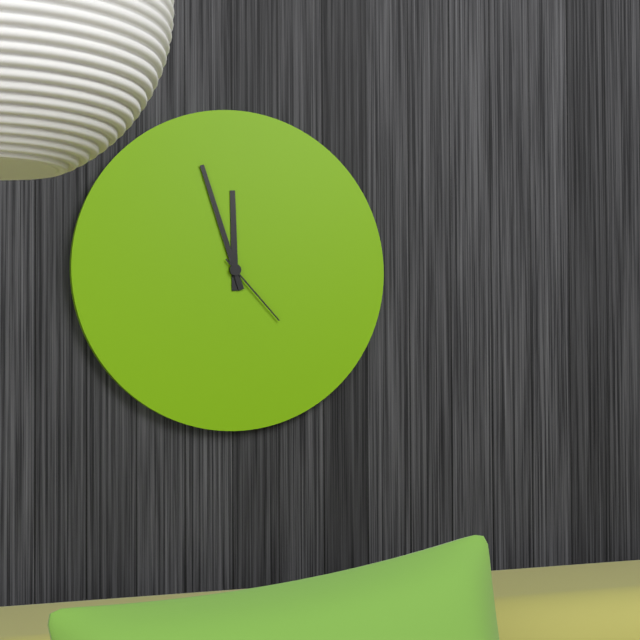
11:57:23
